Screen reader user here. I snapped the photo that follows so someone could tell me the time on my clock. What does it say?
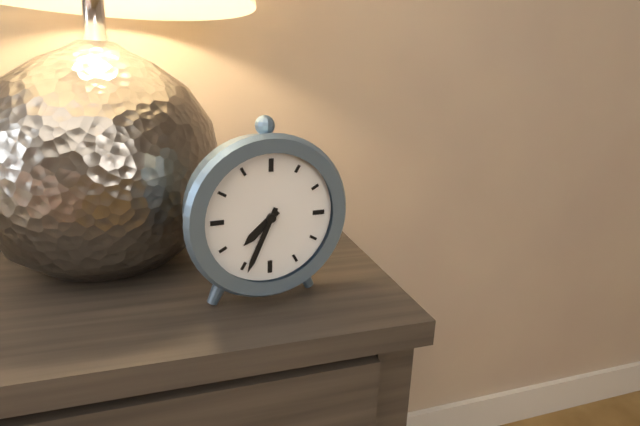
7:34
